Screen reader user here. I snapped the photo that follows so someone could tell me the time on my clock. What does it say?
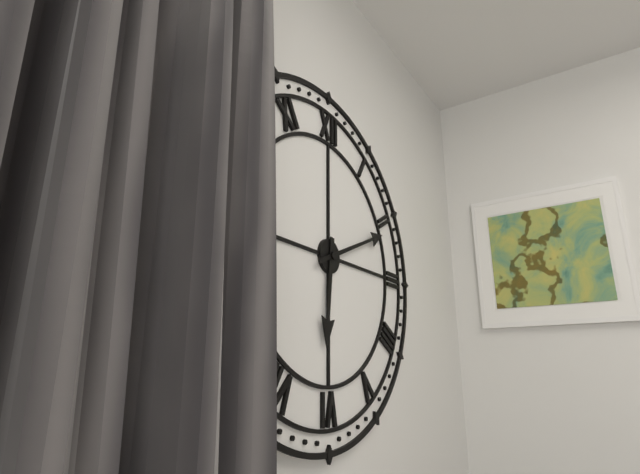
6:11
